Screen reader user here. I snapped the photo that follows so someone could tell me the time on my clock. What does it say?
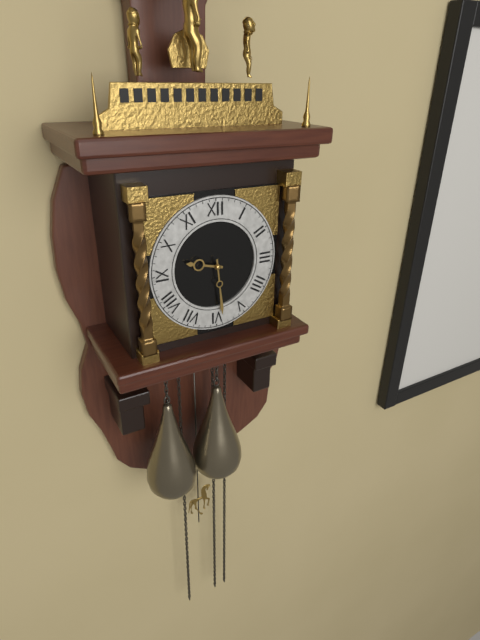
9:29
